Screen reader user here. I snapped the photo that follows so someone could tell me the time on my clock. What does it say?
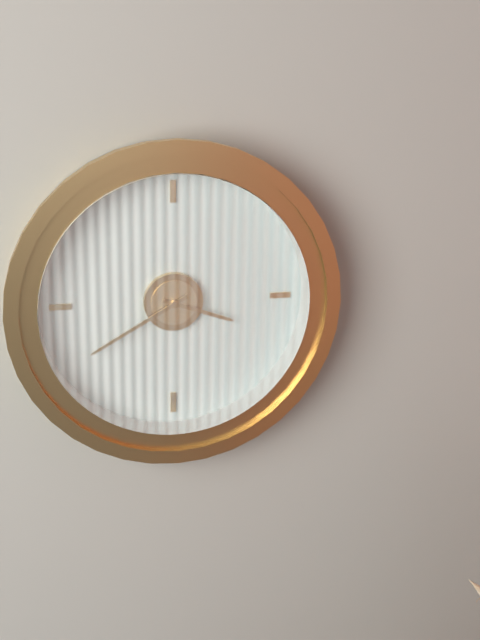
3:40
